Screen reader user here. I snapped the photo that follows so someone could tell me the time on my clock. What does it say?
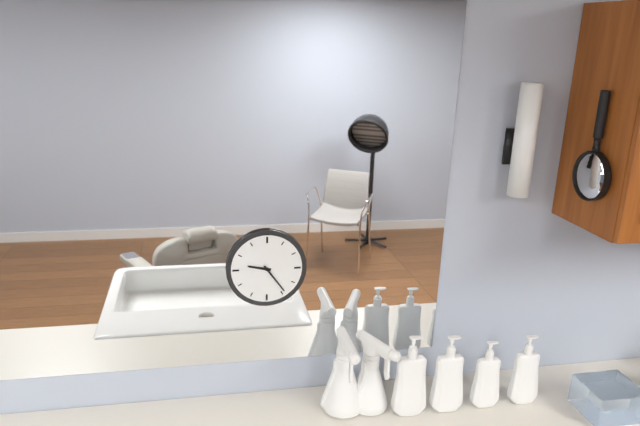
9:24
